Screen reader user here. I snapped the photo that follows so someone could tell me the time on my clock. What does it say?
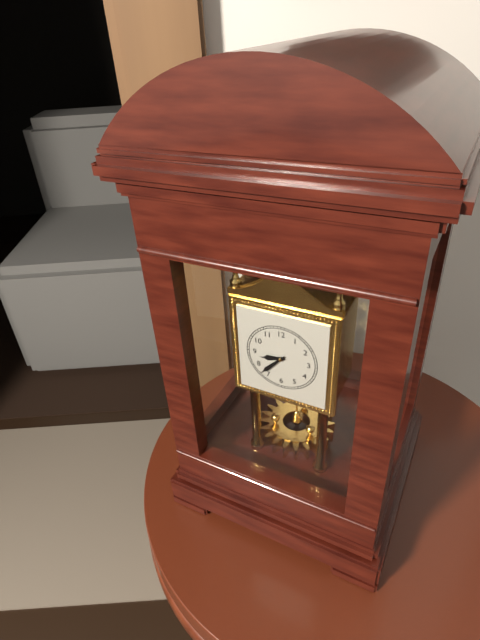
8:37
